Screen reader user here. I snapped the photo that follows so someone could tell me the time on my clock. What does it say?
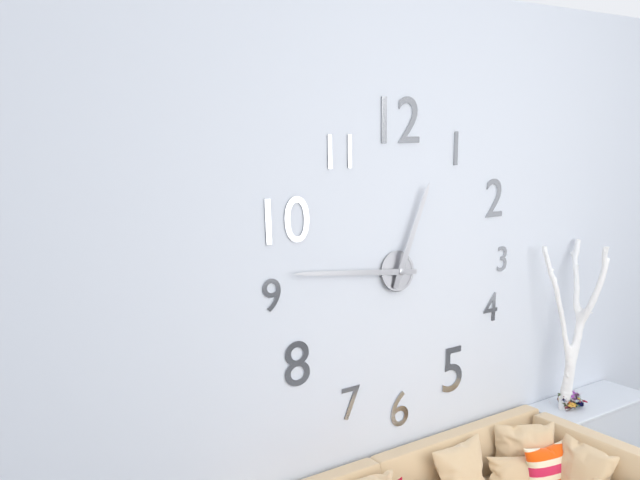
12:46
